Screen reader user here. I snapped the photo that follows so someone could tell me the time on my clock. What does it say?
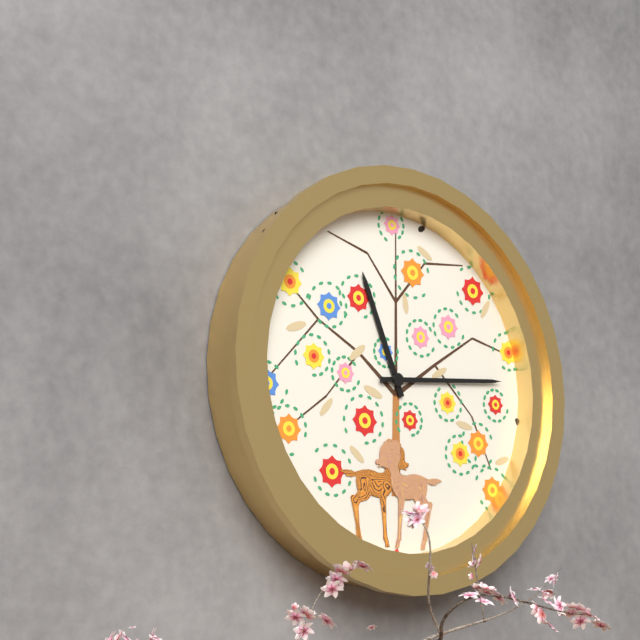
11:14
